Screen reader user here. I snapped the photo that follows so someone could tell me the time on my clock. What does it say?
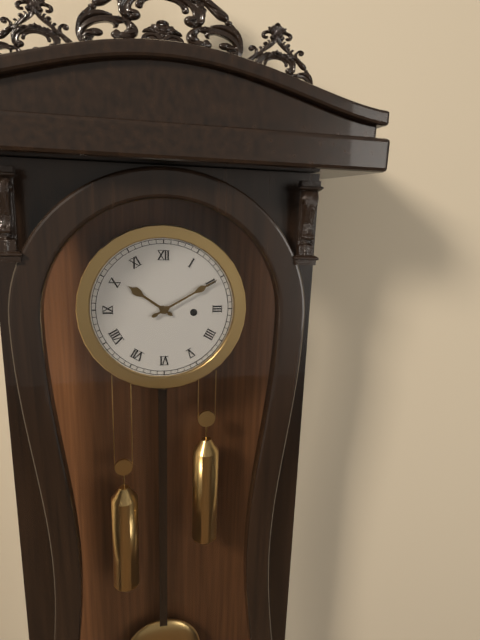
10:10
